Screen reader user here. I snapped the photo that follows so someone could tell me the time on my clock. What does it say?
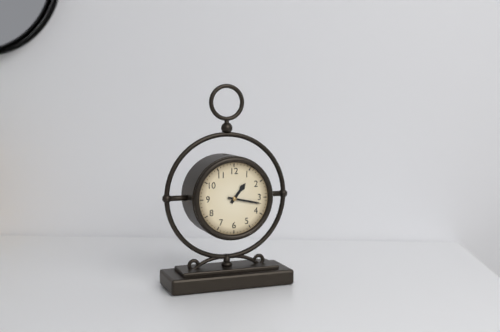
1:17
